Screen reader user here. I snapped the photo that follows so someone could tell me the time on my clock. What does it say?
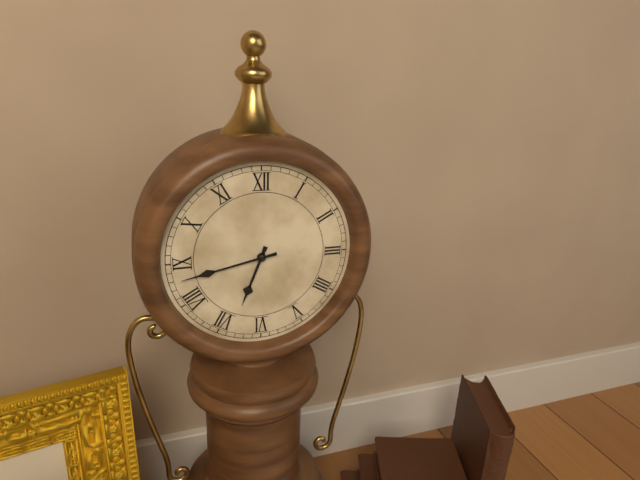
6:43
